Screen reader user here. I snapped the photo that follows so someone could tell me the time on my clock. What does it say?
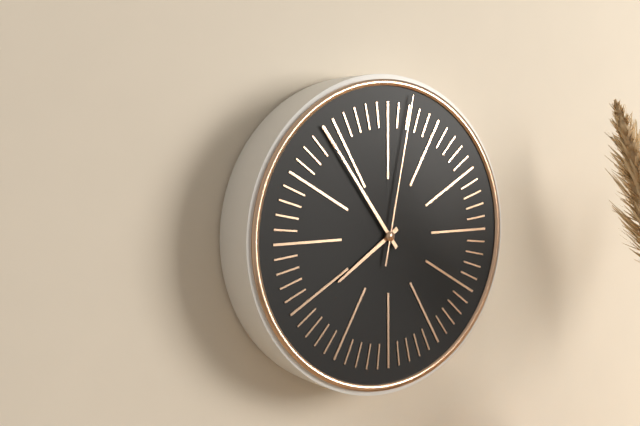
7:54:02
